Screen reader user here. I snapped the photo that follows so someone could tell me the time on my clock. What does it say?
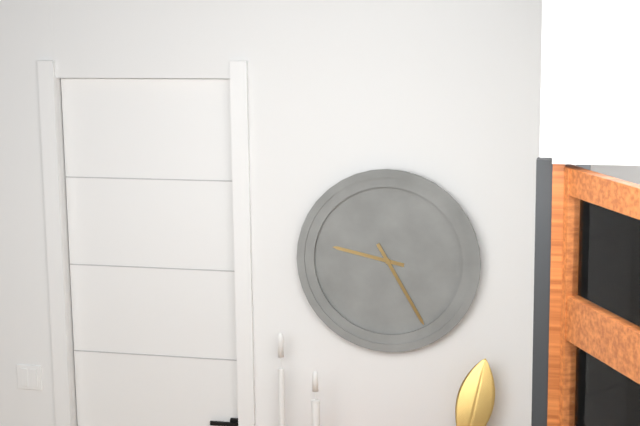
9:25
